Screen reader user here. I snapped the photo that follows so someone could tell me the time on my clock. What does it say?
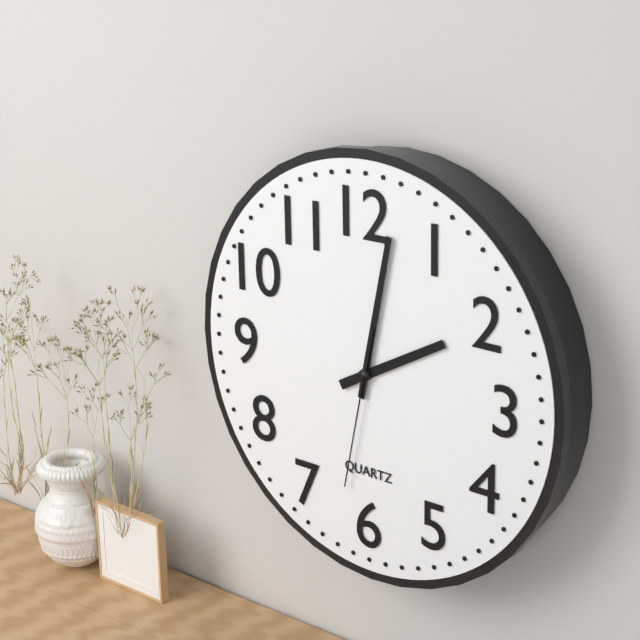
2:02:32
